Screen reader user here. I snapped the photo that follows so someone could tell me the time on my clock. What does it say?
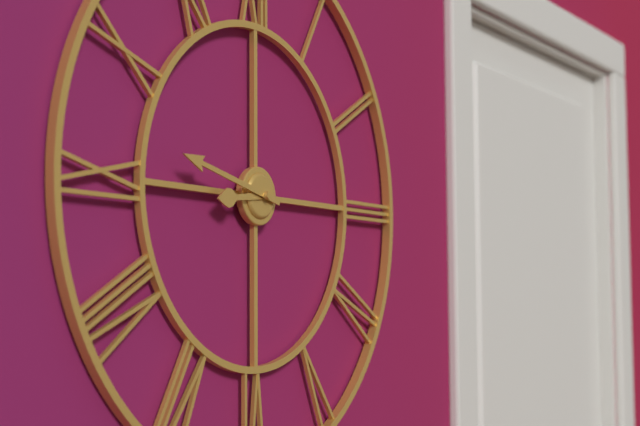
8:47
